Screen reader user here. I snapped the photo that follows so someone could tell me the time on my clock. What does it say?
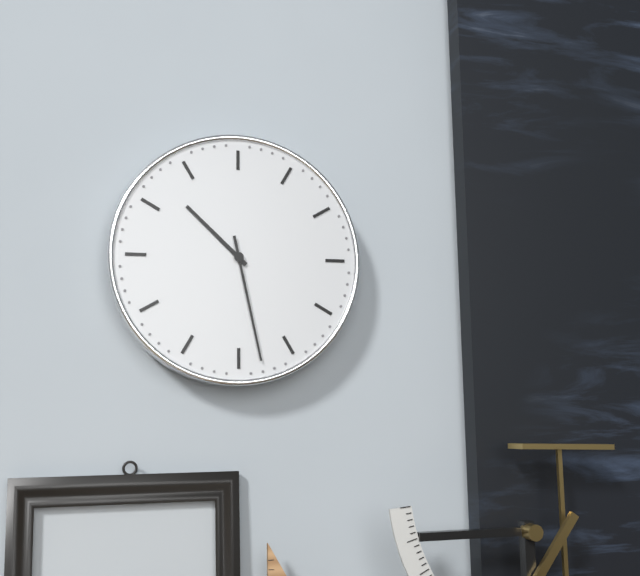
10:28
